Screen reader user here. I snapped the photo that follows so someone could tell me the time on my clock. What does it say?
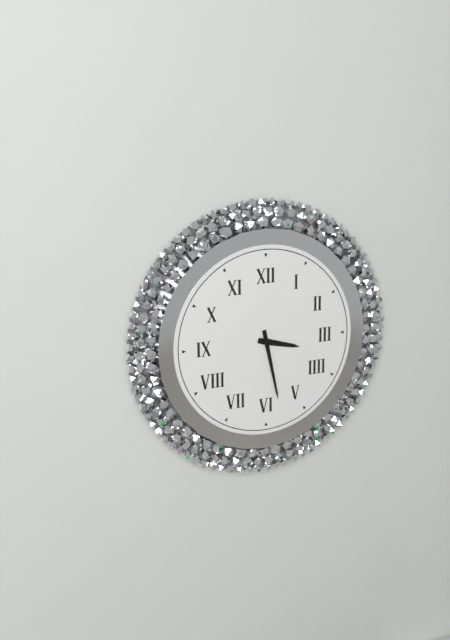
3:28
